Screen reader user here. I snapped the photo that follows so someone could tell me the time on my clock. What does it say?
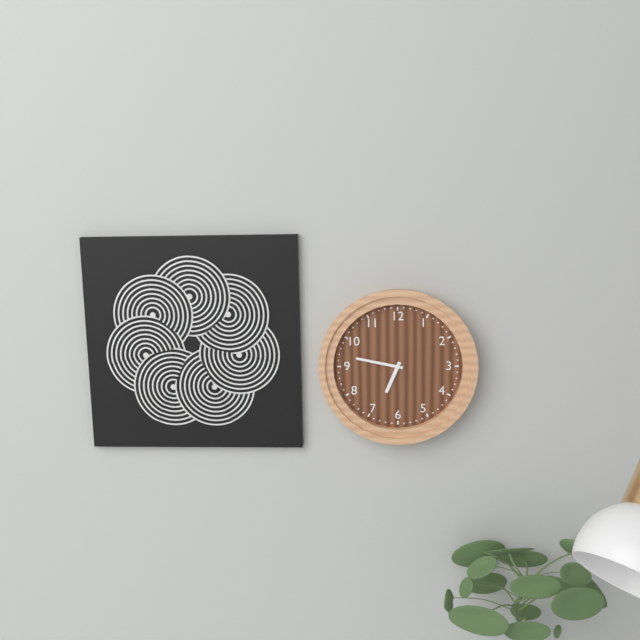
6:47
